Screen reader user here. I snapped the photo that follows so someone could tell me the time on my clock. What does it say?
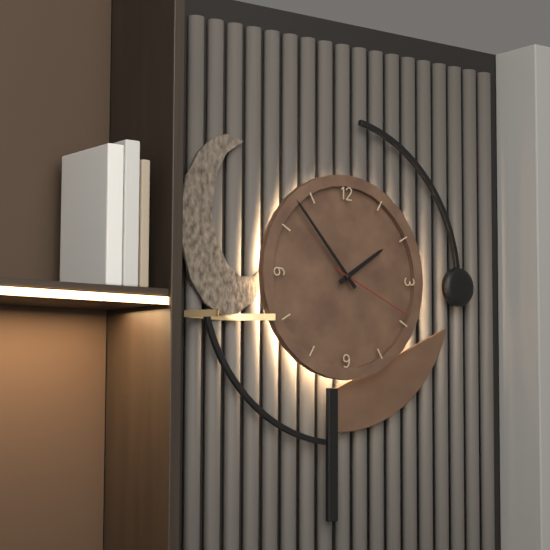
1:53:19
